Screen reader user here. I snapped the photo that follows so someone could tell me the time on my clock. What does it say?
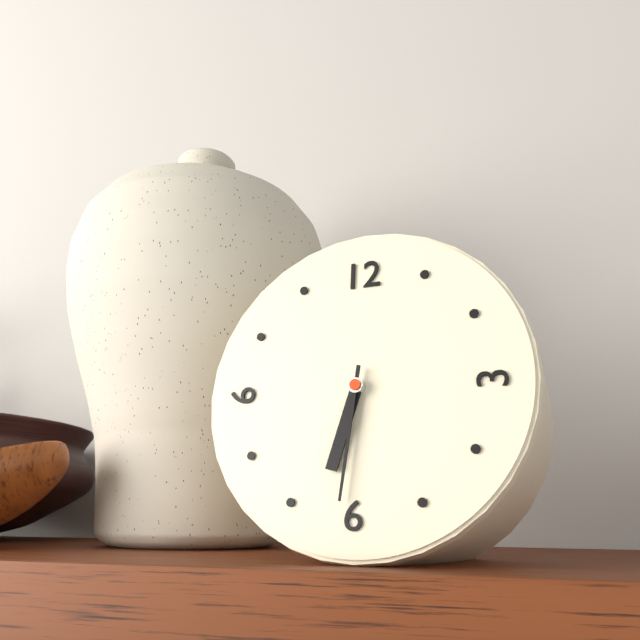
6:31
